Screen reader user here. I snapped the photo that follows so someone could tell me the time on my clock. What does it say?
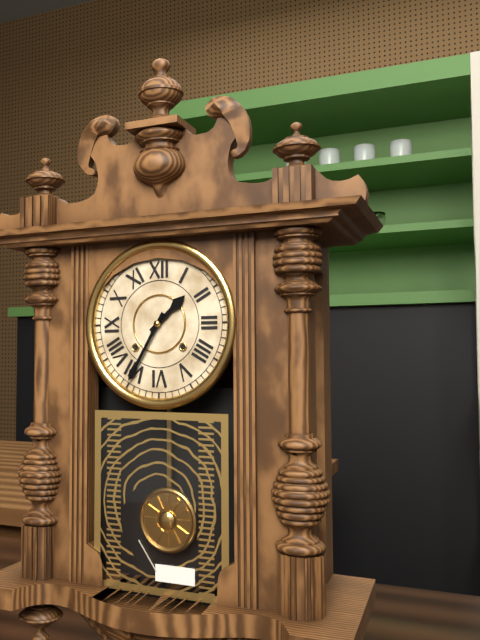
1:35
